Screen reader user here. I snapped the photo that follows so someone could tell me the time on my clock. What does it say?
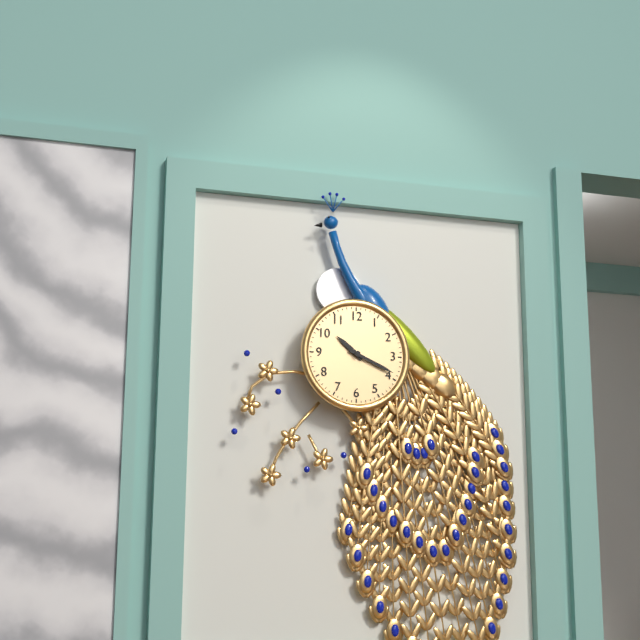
10:19
